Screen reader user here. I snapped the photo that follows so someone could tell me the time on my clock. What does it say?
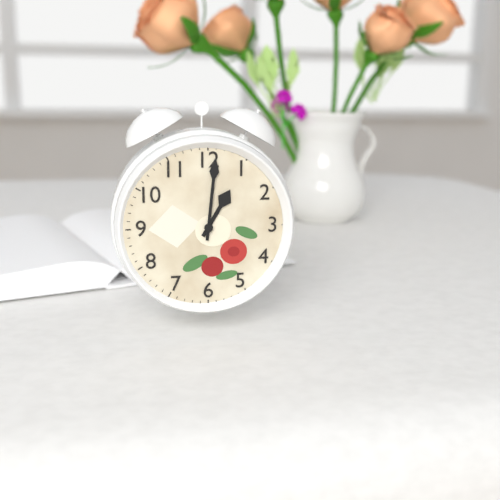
1:01
